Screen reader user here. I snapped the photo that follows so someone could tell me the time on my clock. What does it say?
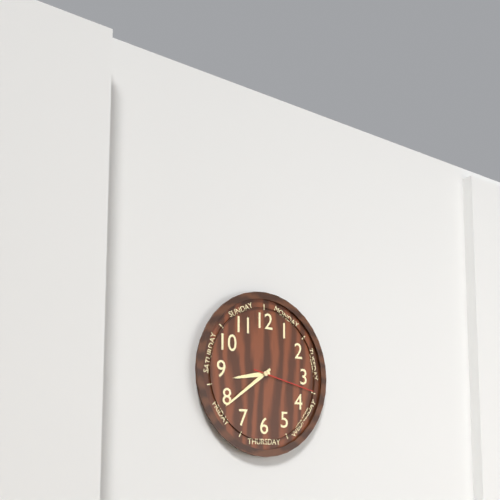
8:39:17
